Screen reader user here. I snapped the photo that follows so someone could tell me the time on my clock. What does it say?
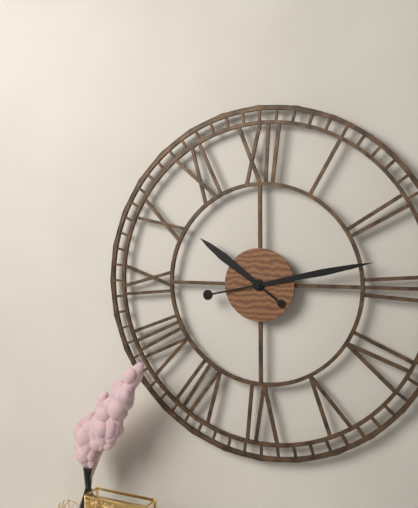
10:13
